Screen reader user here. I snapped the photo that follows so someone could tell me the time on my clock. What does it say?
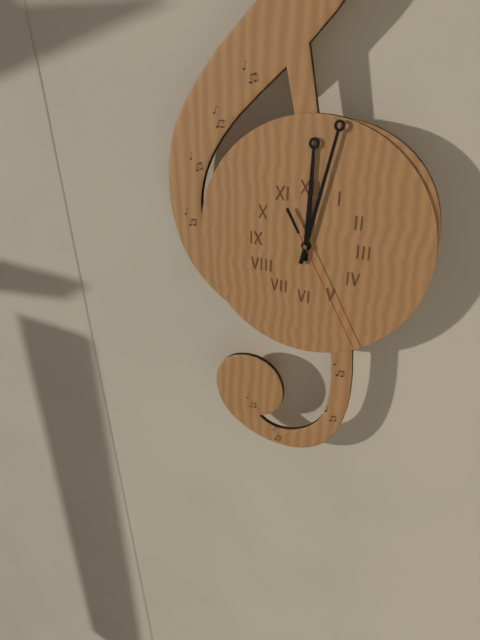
12:02:25
